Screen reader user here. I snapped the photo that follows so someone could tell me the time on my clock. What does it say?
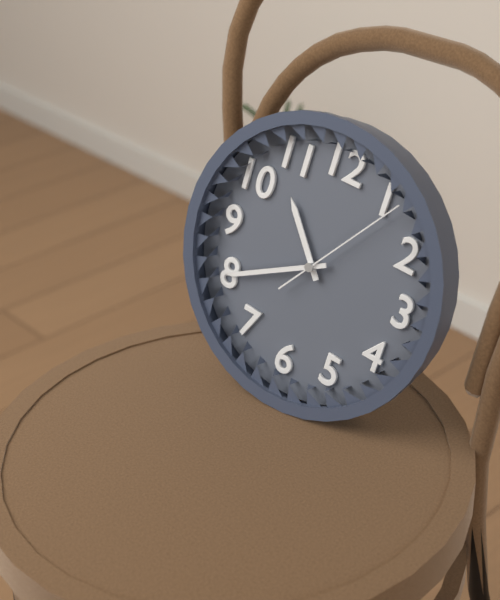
10:40:06
